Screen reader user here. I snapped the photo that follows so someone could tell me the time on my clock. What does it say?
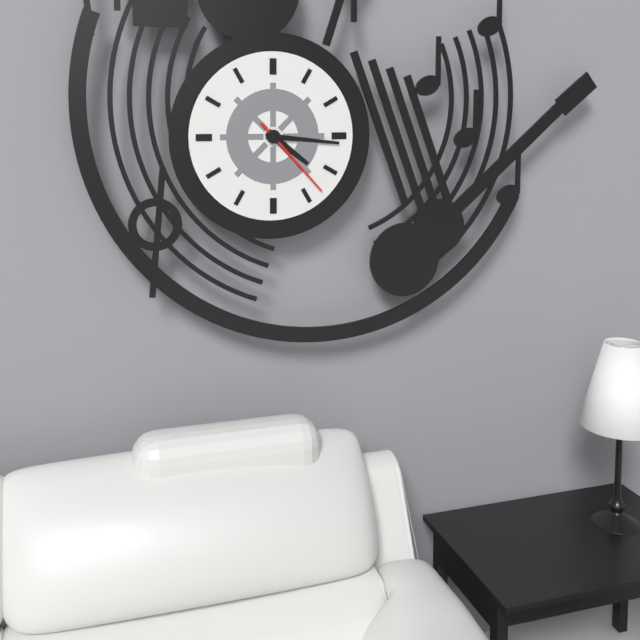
4:16:23
